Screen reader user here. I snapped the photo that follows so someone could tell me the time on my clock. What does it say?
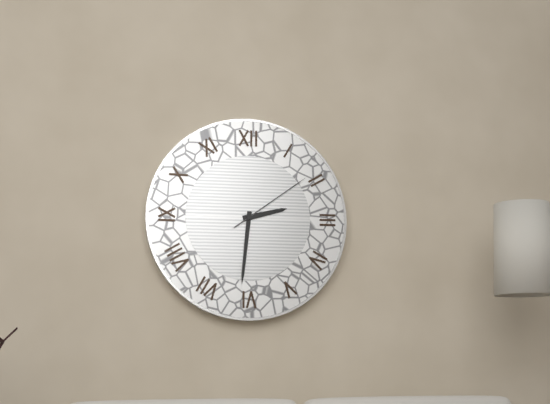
2:31:09
